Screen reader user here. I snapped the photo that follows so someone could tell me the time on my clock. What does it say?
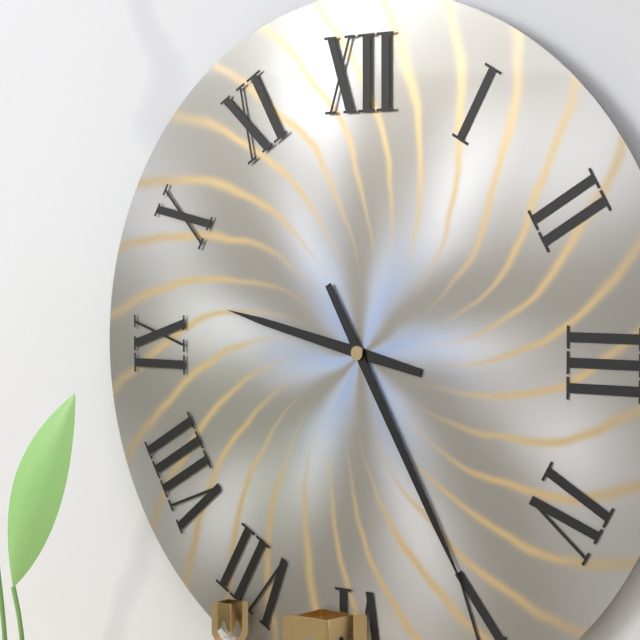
9:25
